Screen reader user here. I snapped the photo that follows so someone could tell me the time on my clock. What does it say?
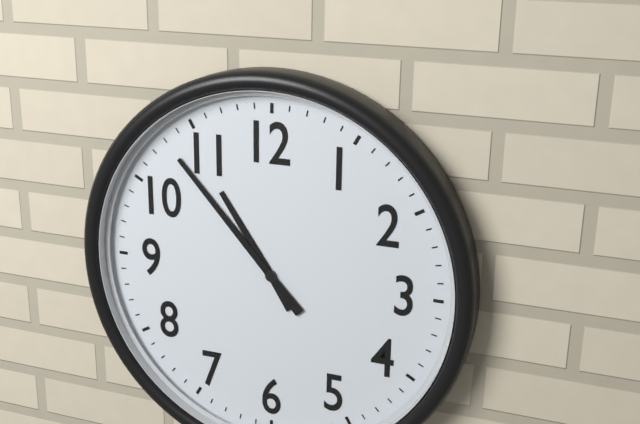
10:53
